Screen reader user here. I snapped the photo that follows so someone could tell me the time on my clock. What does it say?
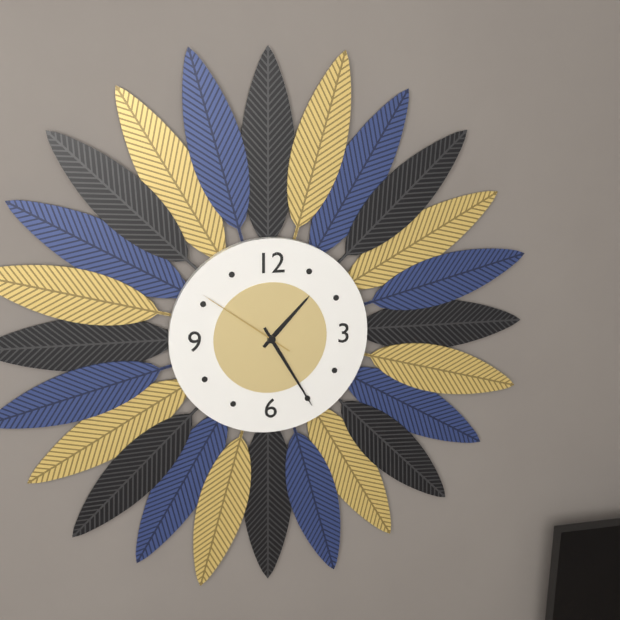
1:25:51
